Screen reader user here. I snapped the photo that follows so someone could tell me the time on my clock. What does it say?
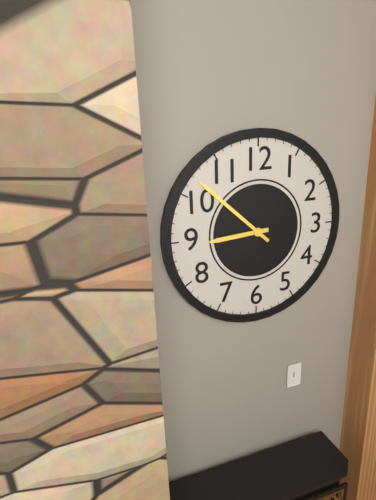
8:52
